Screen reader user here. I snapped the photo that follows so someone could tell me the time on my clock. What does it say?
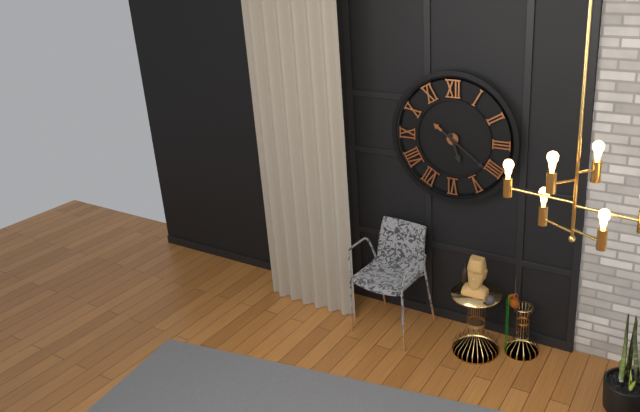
5:21
